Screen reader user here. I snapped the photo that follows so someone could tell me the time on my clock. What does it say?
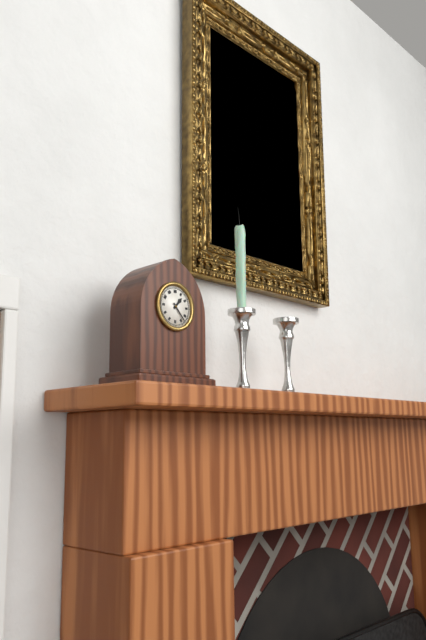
1:23
